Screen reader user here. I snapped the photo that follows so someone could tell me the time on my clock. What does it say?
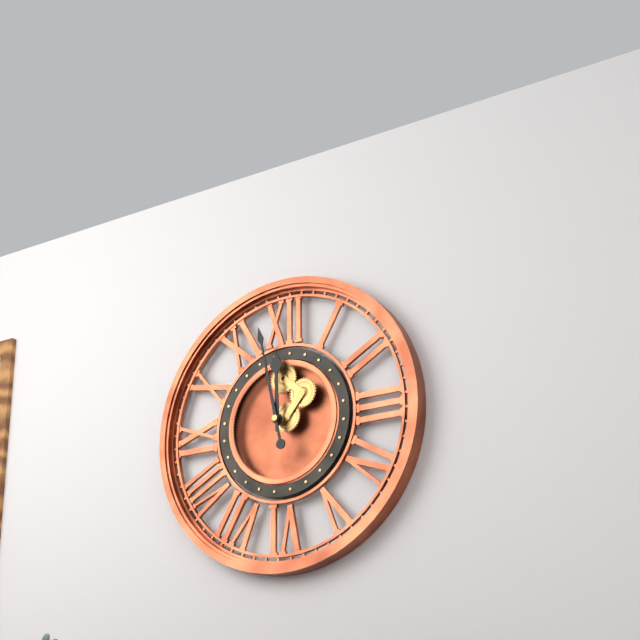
11:58
